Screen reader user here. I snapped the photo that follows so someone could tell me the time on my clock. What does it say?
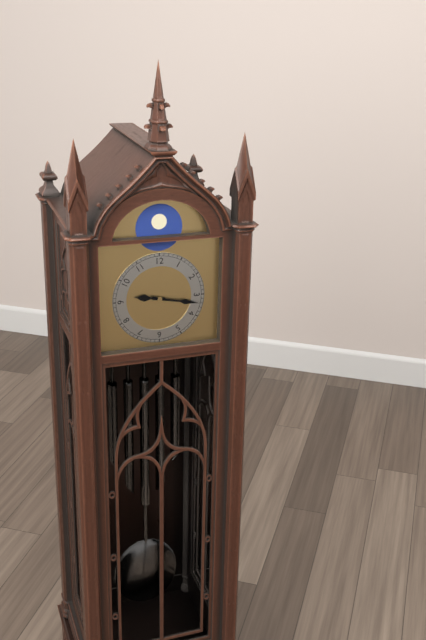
9:17
